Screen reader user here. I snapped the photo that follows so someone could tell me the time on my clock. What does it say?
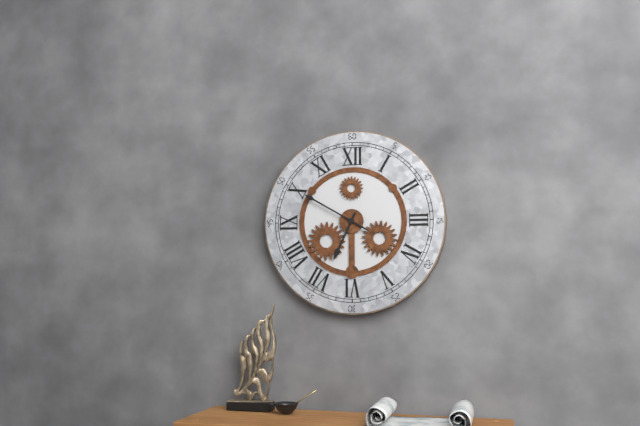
6:50
